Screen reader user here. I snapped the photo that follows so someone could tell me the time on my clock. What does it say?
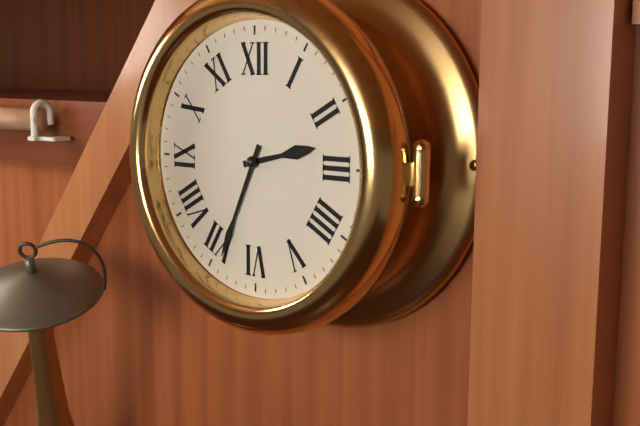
2:34
